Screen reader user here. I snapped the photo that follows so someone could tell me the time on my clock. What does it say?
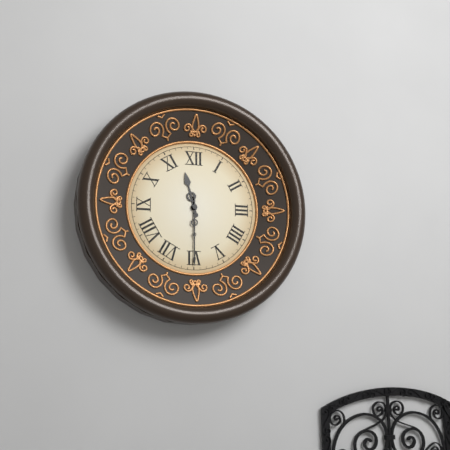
11:30
